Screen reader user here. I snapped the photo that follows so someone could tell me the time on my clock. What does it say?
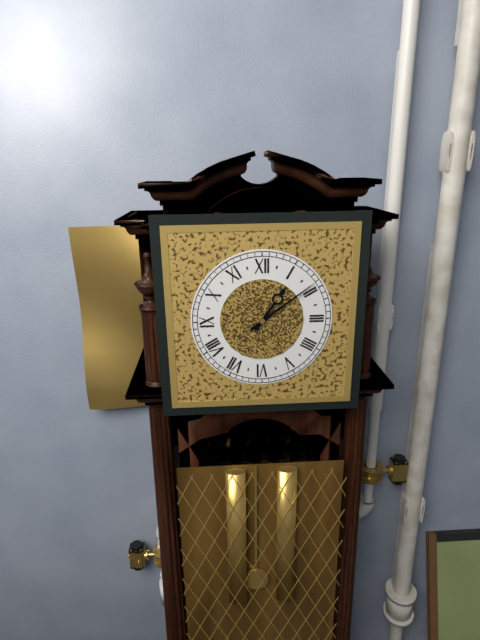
1:09
